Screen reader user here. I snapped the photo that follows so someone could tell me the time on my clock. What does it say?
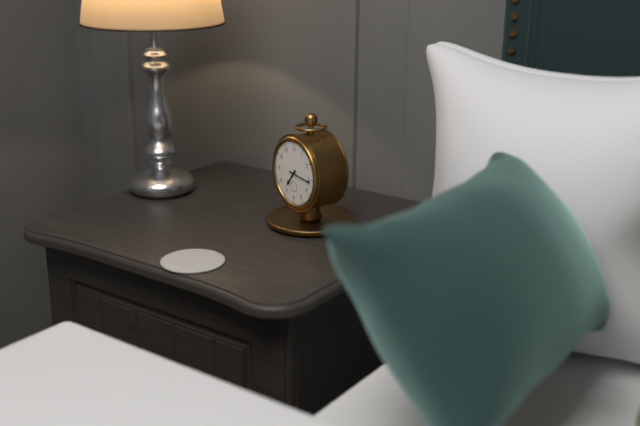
7:16
